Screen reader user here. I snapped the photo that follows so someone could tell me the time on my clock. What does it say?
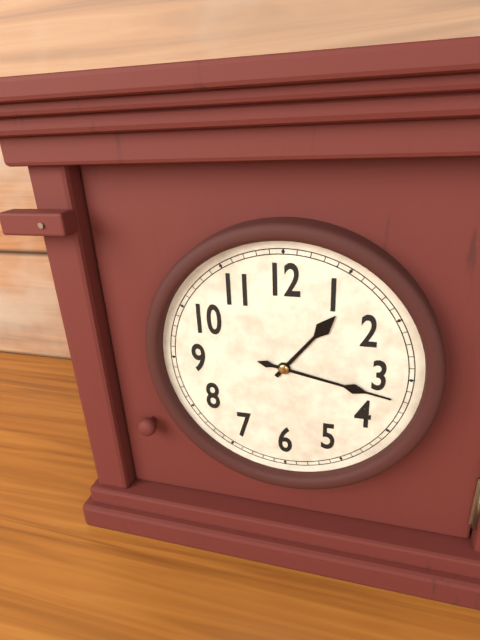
1:17
